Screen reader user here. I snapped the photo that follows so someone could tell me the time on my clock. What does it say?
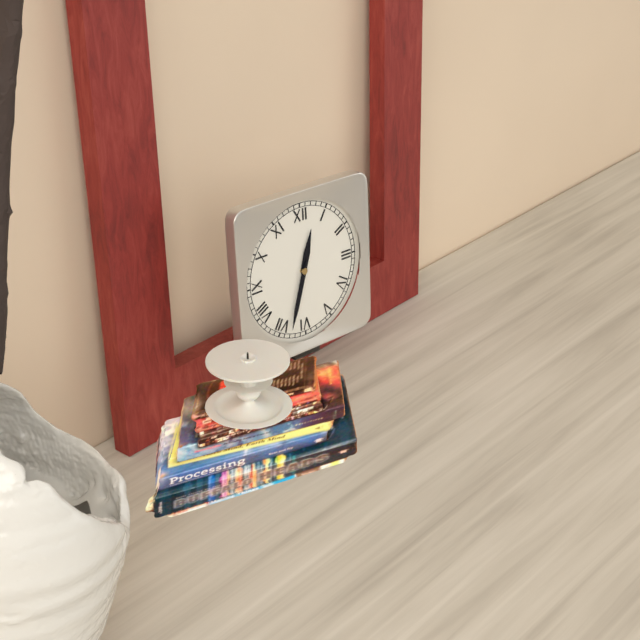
12:33
